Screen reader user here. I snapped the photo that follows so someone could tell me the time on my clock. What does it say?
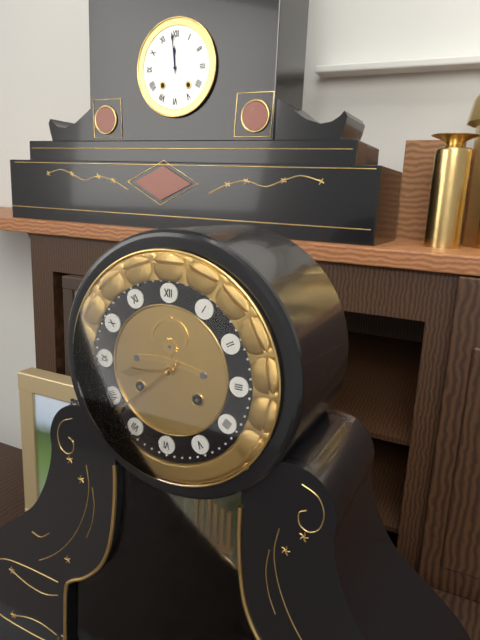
8:38
